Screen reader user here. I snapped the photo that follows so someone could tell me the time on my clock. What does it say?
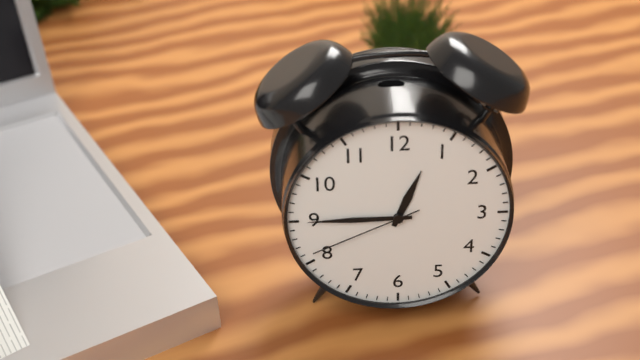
12:45:41
